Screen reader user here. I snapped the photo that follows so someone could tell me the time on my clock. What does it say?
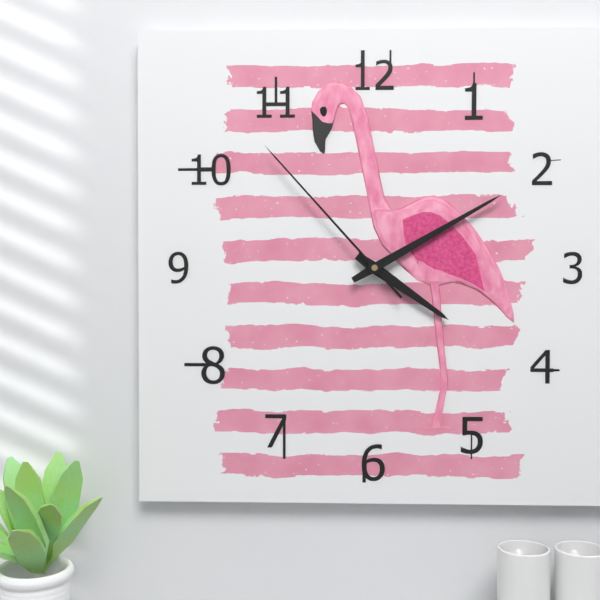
4:10:53
